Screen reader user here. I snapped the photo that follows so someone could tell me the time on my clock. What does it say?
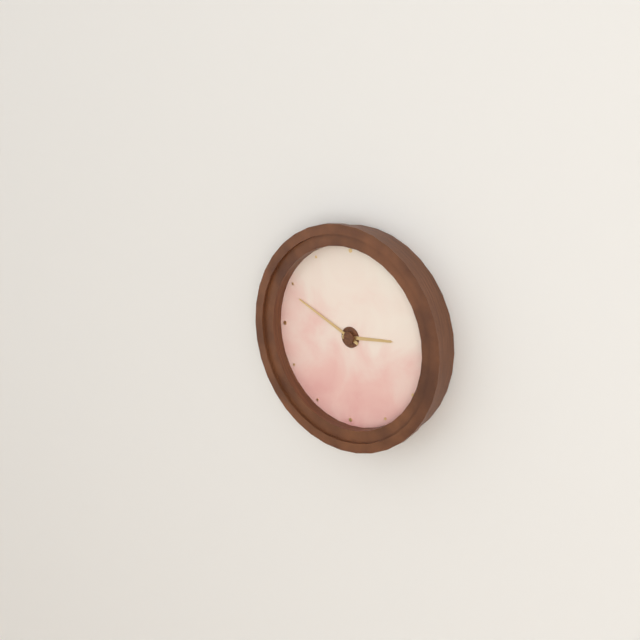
2:49
